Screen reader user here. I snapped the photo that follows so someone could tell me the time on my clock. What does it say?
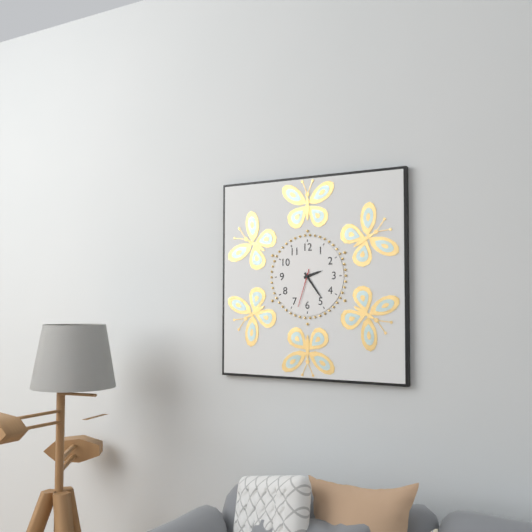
2:24
